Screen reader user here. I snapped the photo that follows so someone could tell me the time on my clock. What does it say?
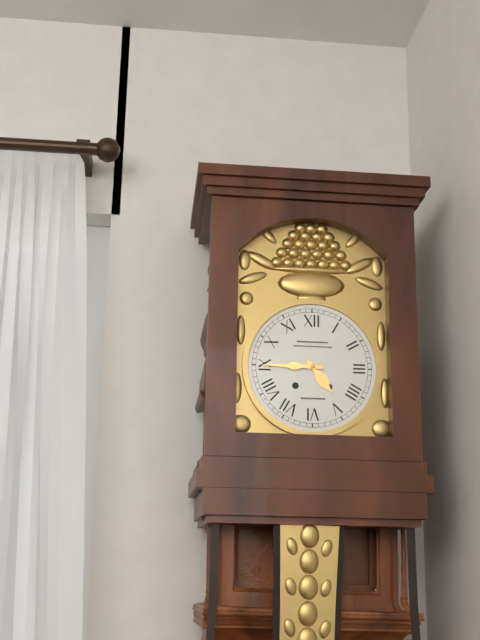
4:45
